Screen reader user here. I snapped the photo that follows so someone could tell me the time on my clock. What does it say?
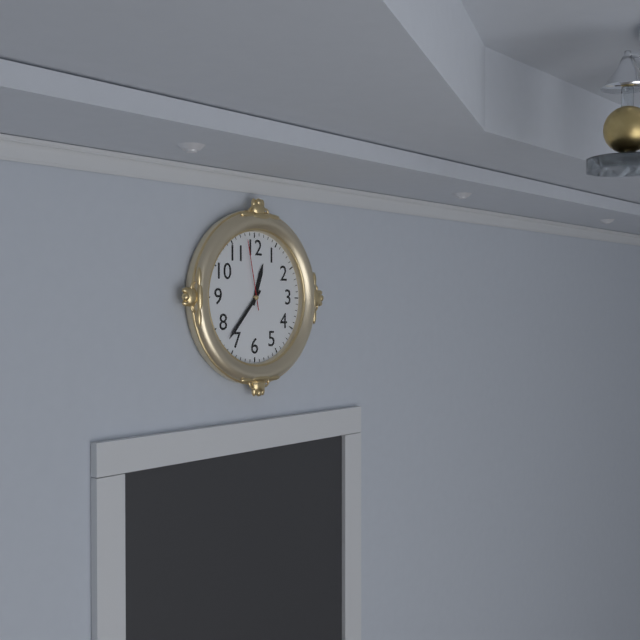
12:37:58
